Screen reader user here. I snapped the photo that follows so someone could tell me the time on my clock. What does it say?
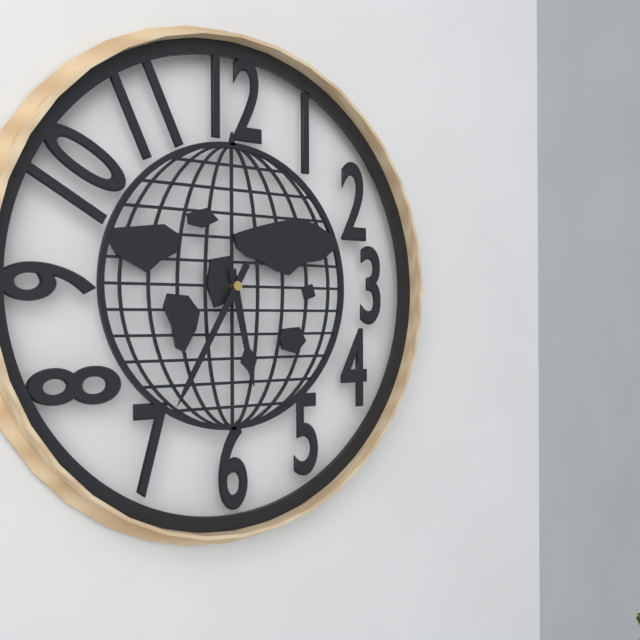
5:35
